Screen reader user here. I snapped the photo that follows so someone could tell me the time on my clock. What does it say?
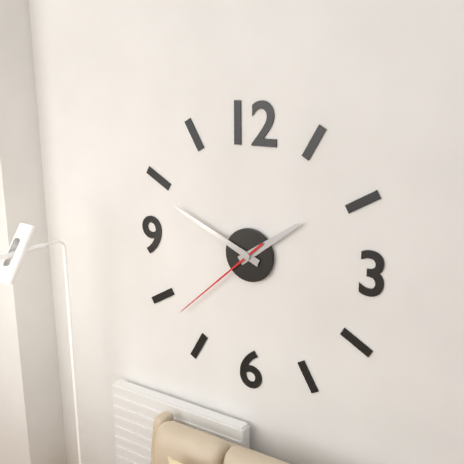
1:49:38
